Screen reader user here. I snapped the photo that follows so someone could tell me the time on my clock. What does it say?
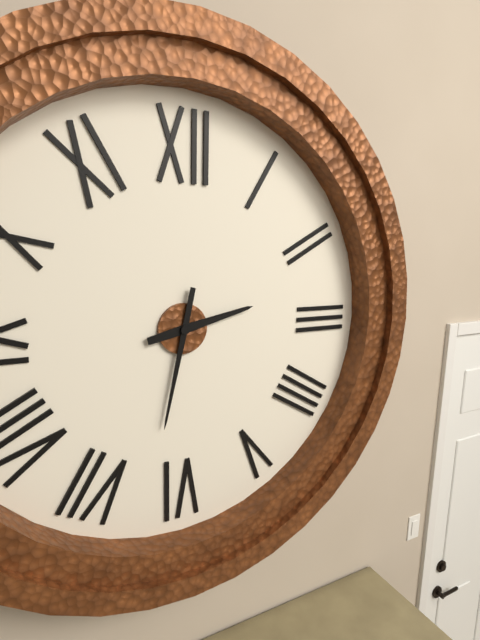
2:32
